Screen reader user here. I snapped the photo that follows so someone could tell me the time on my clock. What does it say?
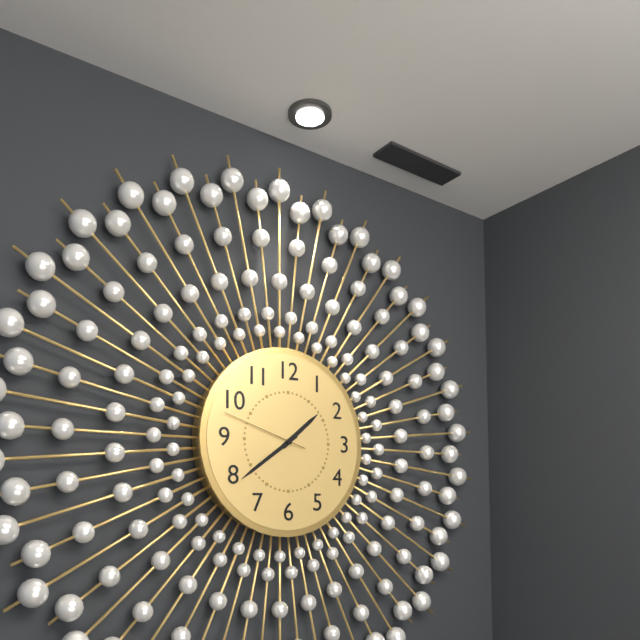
1:39:48
